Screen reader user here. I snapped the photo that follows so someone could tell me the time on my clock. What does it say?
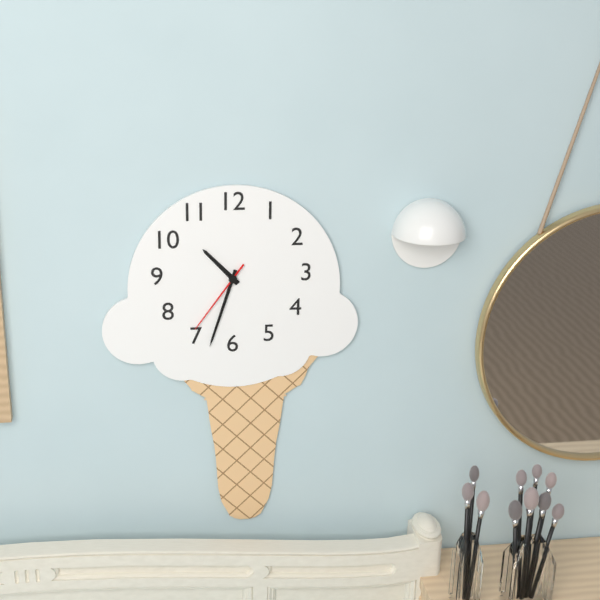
10:33:36
